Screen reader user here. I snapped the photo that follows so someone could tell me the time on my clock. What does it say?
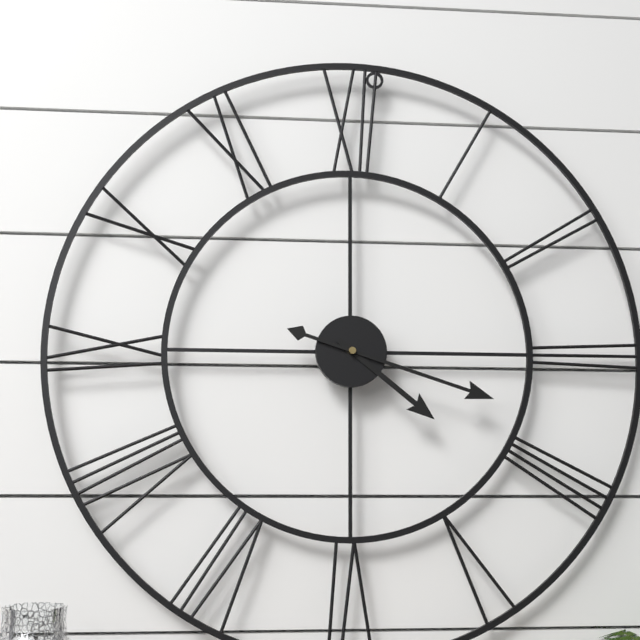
4:18
